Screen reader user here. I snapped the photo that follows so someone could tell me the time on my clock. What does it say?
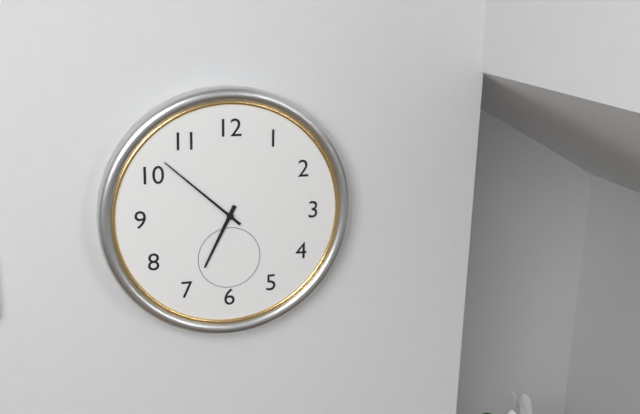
6:52
